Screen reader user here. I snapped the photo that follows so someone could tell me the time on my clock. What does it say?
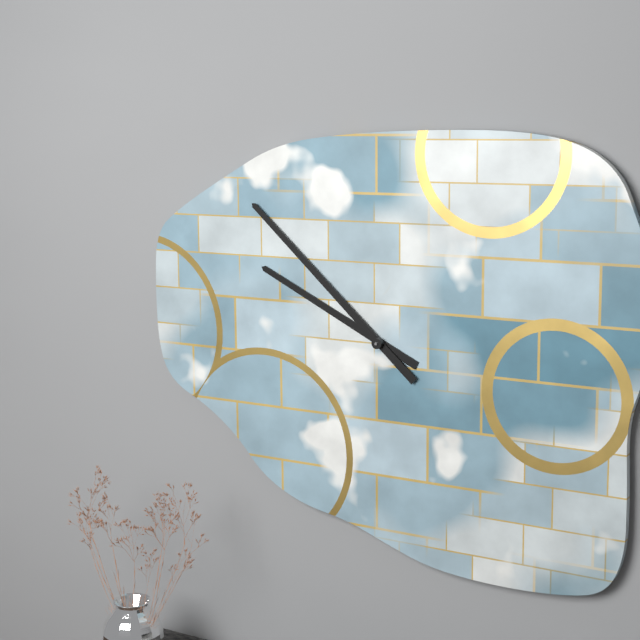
9:52
